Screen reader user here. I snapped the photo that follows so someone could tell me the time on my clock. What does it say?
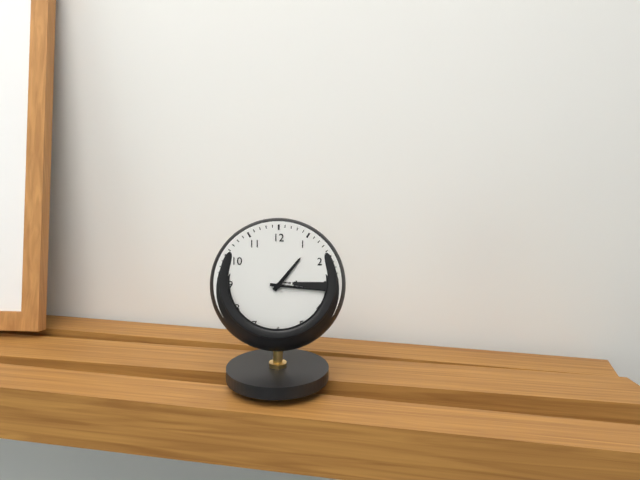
1:16
